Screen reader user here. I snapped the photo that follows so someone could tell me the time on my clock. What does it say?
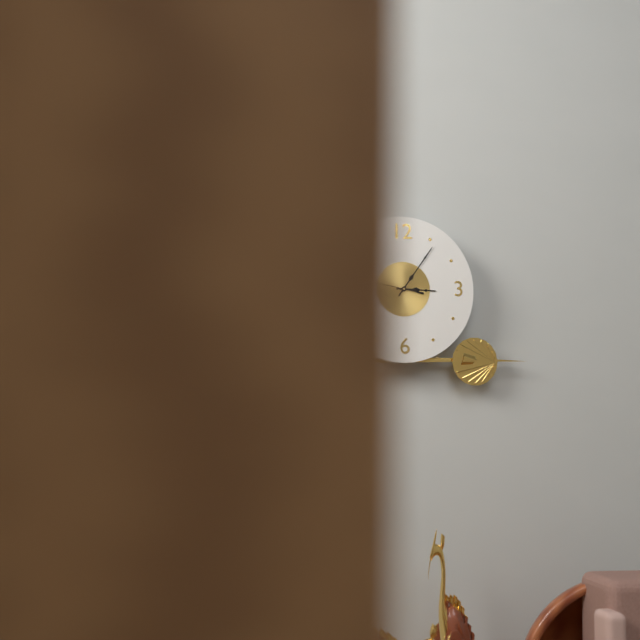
3:06
